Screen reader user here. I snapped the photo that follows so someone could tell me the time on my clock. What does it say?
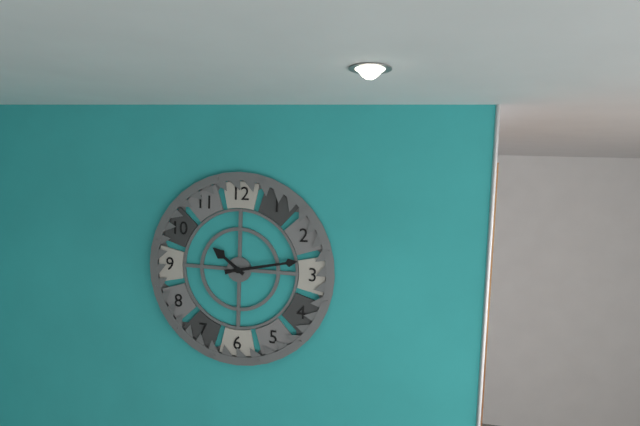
10:13
